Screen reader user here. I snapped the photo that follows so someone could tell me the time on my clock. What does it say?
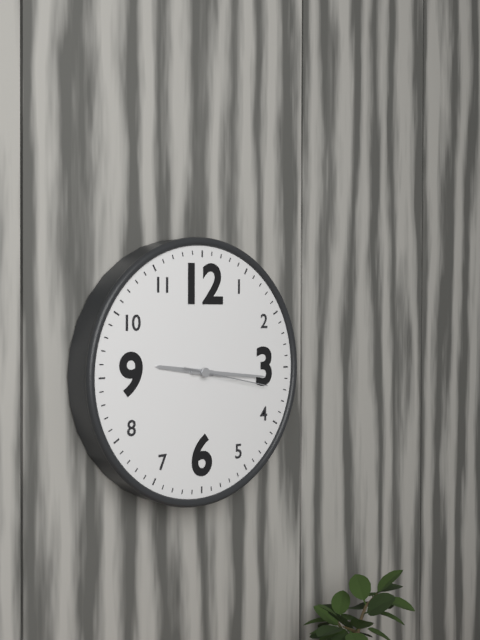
9:16:17
